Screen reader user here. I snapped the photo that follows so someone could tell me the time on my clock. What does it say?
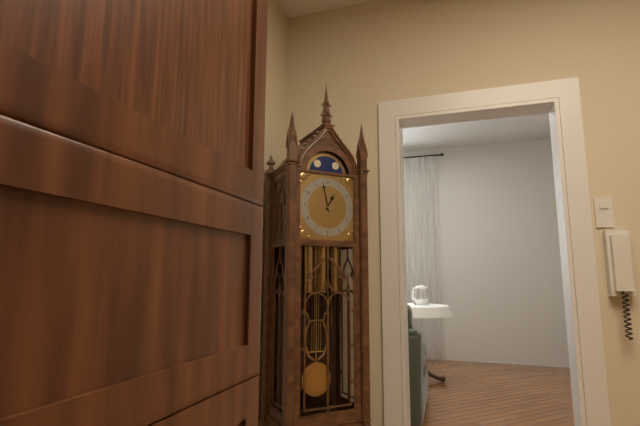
12:58
